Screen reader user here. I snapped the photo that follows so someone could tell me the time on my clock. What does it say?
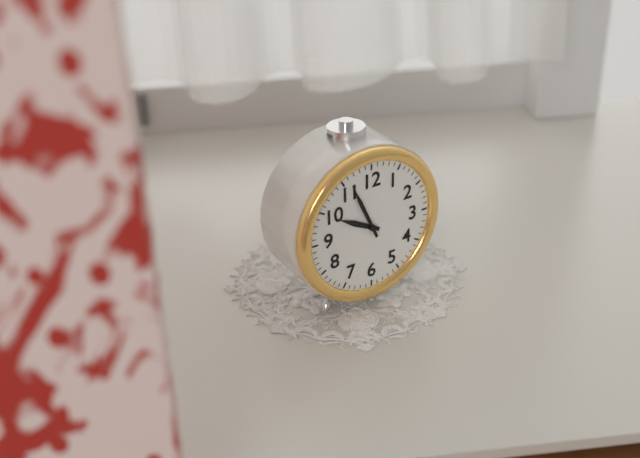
9:56
